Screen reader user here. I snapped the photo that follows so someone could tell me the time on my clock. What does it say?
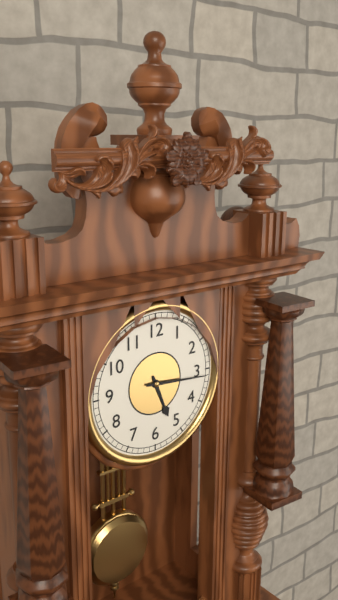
5:16
